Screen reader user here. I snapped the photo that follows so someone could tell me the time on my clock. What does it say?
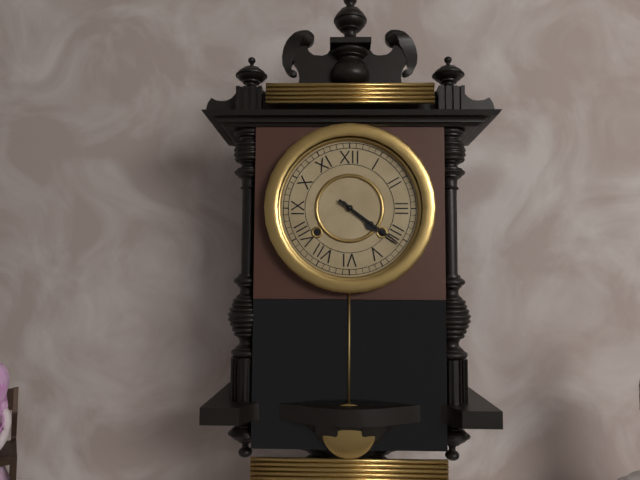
4:21
